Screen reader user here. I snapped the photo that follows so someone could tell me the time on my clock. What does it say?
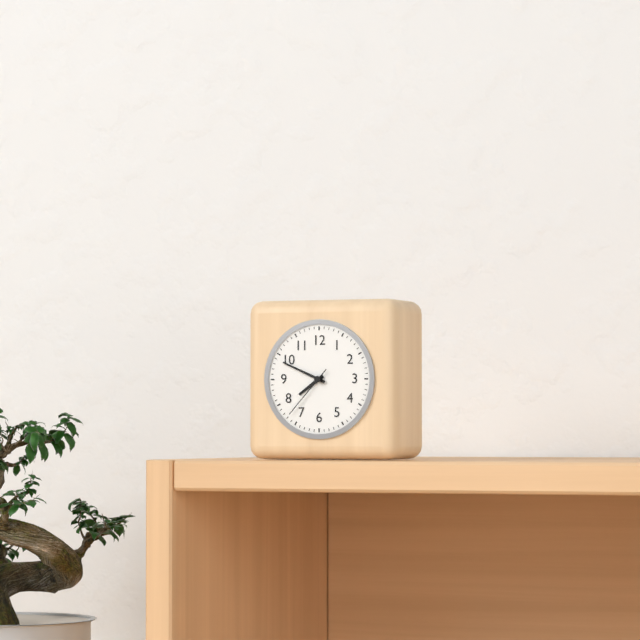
7:49:37
